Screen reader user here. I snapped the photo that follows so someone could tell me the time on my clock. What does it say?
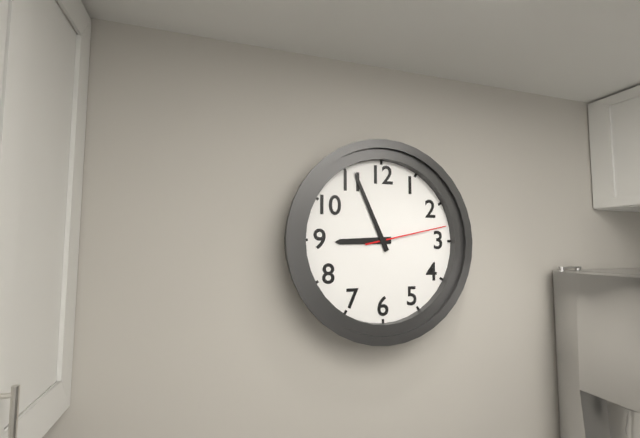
8:56:13
